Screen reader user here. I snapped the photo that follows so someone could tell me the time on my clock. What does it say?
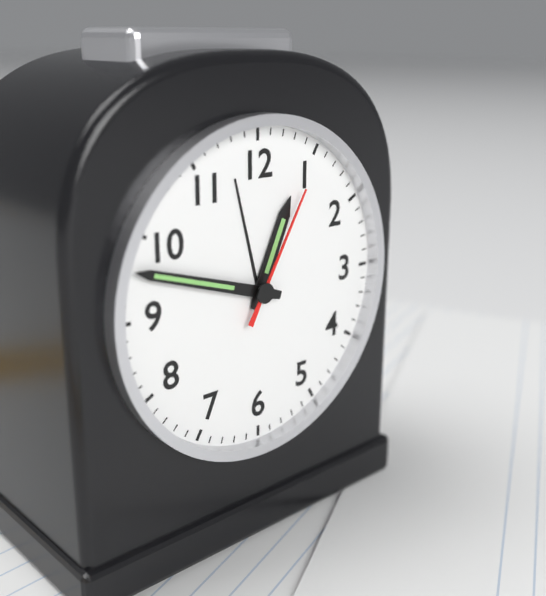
12:48:05
